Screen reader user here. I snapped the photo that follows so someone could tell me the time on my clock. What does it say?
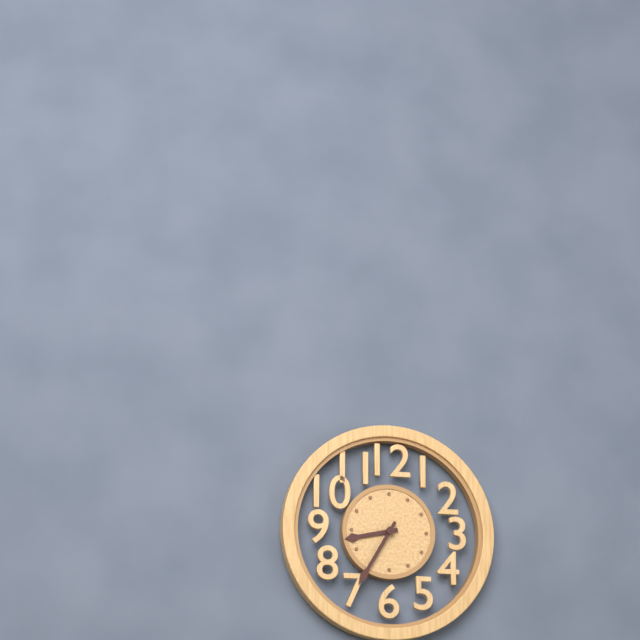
8:35
